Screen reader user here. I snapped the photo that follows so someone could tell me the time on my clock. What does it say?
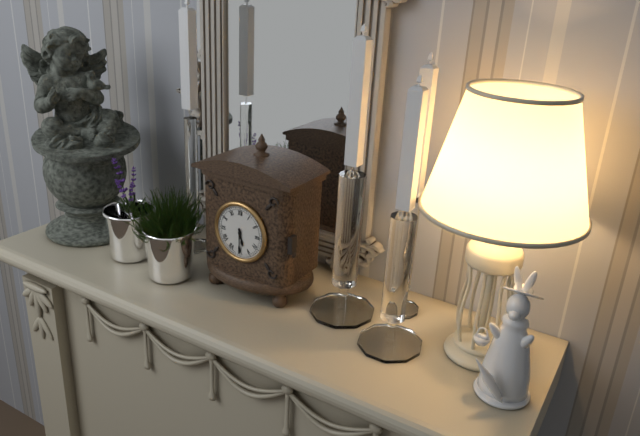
5:30
